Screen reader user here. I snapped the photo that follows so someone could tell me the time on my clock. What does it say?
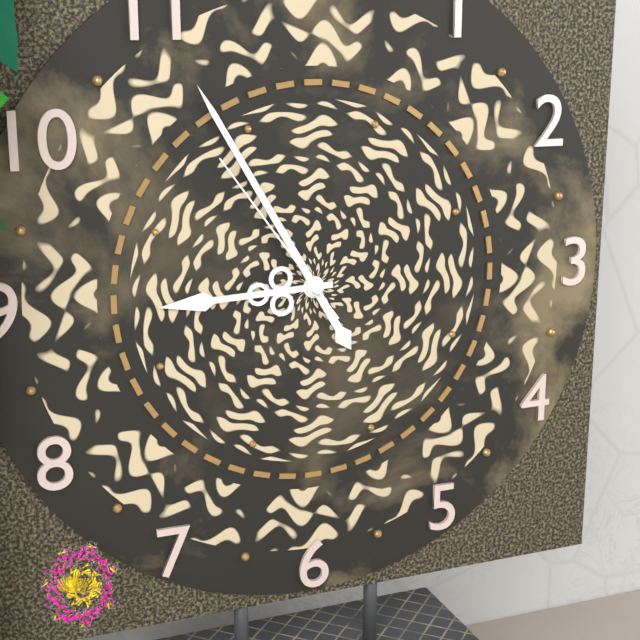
8:55:54
